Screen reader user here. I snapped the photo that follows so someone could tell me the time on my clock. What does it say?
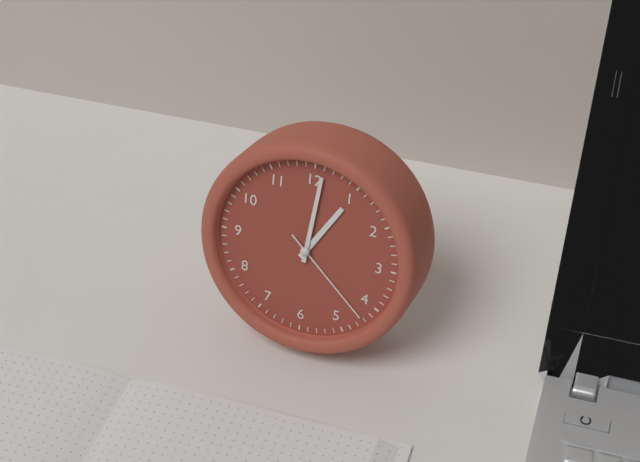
1:01:22
